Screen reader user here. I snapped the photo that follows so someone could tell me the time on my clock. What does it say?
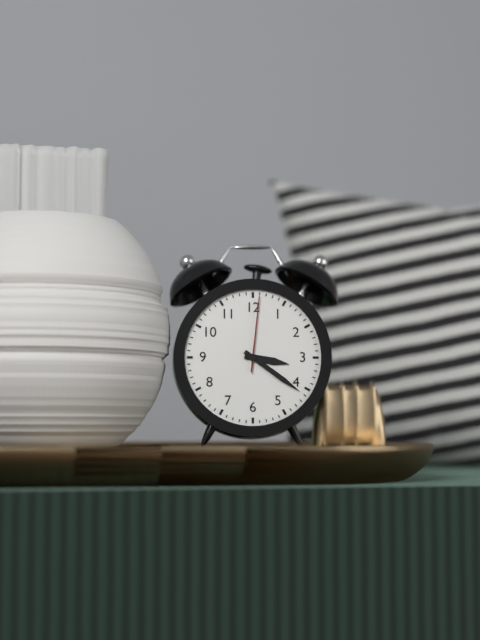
3:21:01
